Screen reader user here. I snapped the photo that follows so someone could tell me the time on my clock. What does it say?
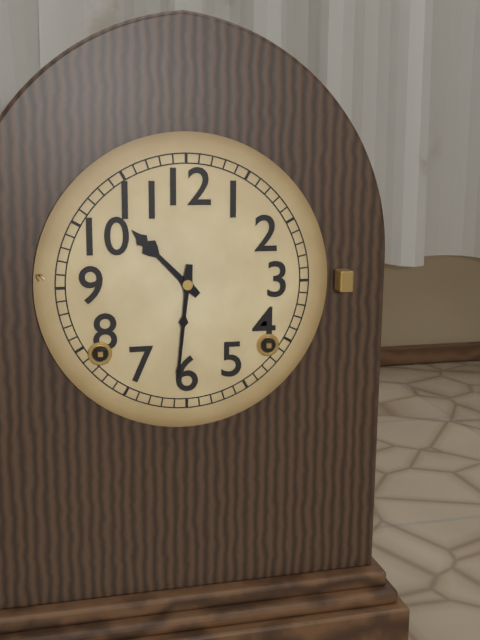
10:31
